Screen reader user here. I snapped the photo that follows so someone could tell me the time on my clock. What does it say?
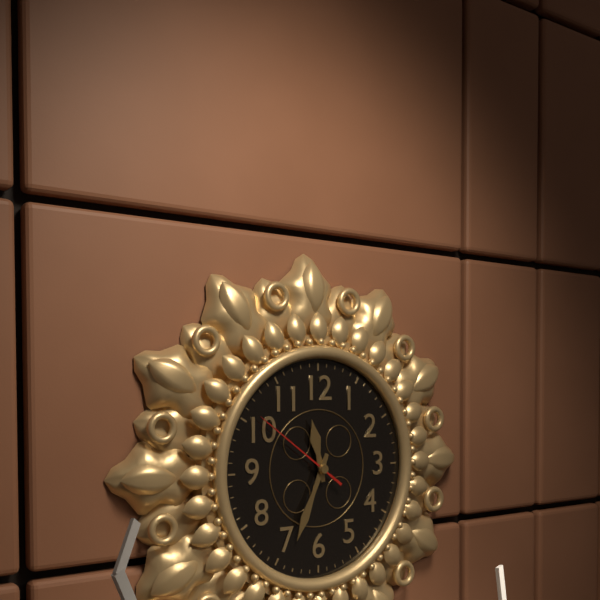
11:34:51
